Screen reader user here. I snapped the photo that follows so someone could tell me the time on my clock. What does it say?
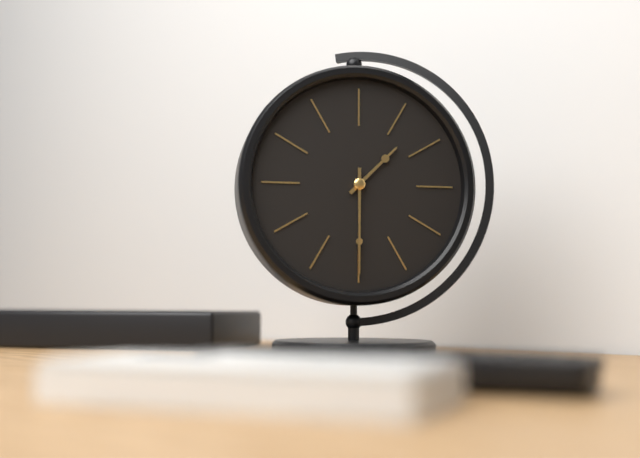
1:30
